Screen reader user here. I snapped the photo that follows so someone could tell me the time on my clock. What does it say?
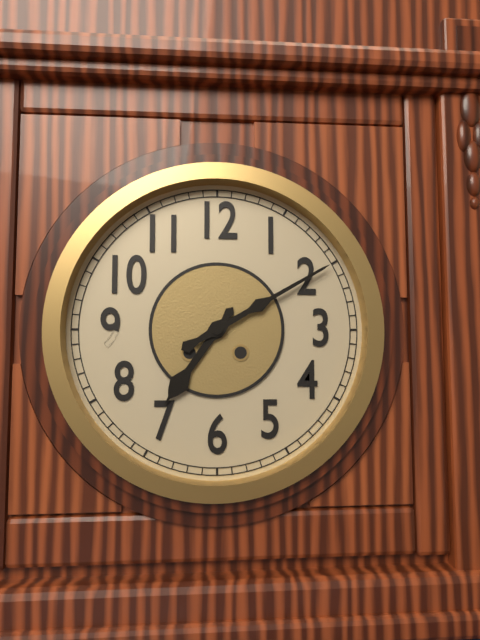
7:10
